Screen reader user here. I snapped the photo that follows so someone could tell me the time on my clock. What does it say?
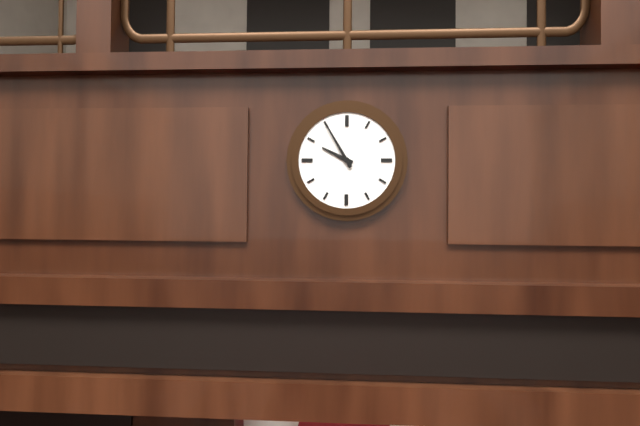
9:55
